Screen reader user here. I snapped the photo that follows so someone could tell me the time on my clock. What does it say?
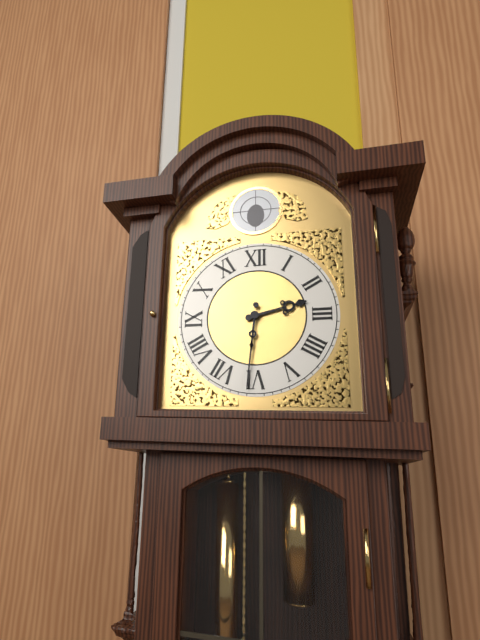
2:31
